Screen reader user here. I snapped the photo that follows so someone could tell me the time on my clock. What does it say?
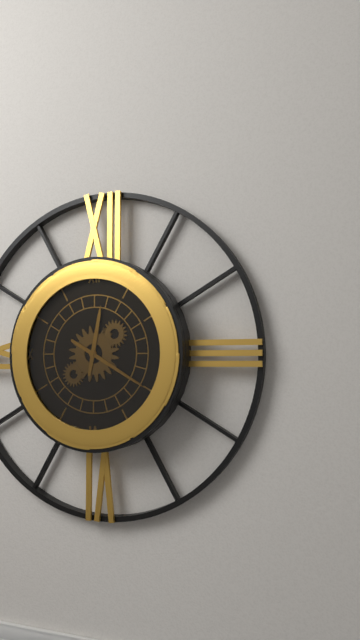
12:20
